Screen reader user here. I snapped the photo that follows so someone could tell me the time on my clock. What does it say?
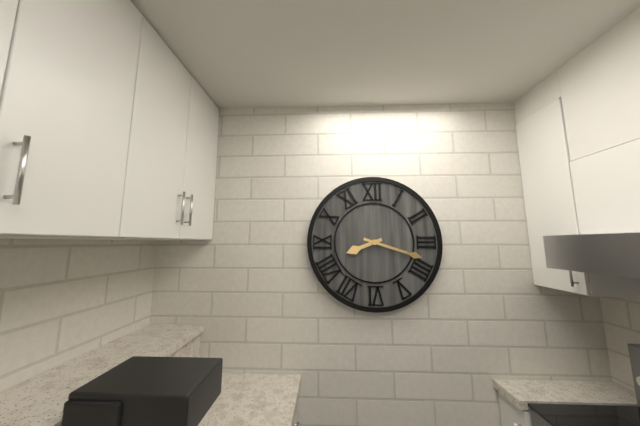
8:18
